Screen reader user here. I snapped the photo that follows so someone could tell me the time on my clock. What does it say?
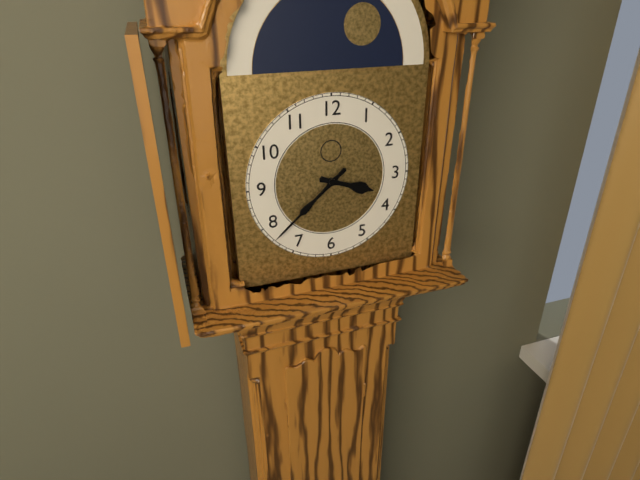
3:38
